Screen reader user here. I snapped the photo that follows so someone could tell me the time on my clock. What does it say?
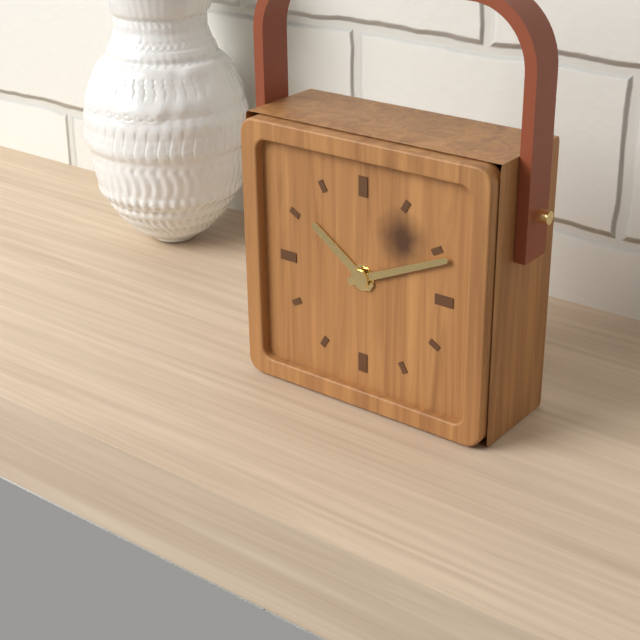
10:11
